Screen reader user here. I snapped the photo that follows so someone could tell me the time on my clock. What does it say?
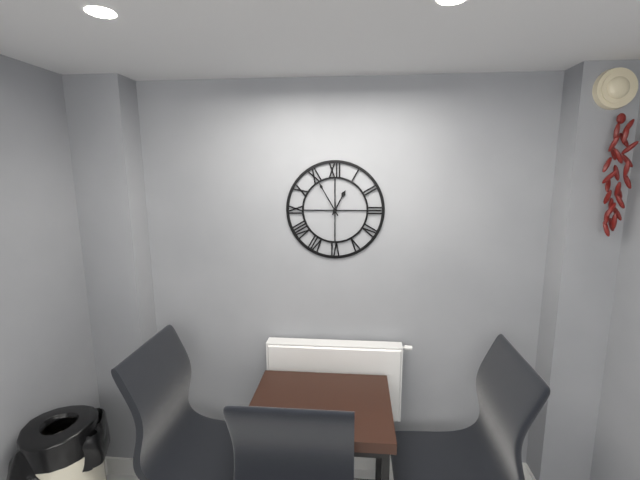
12:55
